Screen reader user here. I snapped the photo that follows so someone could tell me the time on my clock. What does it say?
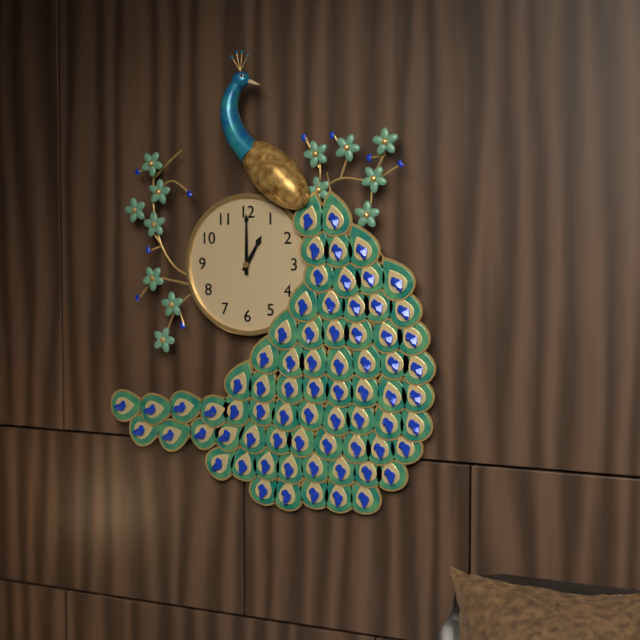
1:00
